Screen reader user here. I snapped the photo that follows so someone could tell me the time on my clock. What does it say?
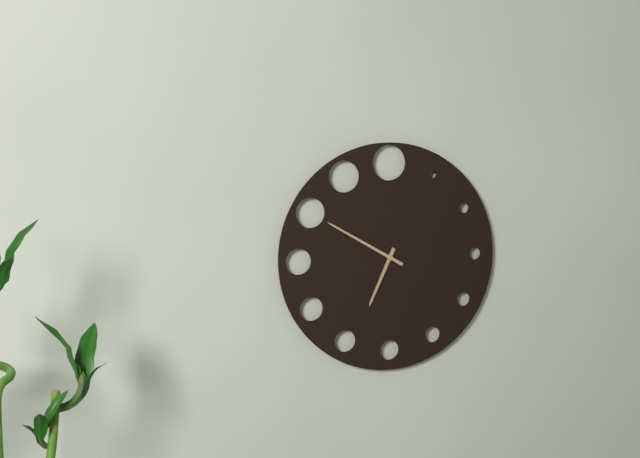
6:50
